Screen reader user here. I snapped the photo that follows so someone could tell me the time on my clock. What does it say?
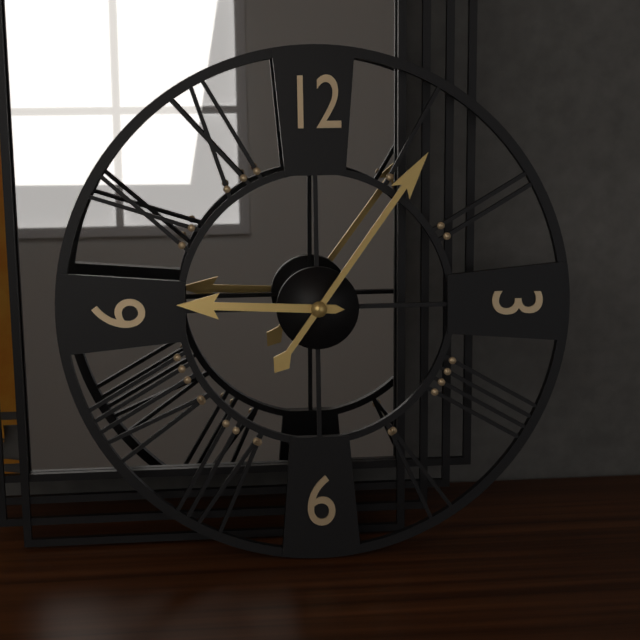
9:06
